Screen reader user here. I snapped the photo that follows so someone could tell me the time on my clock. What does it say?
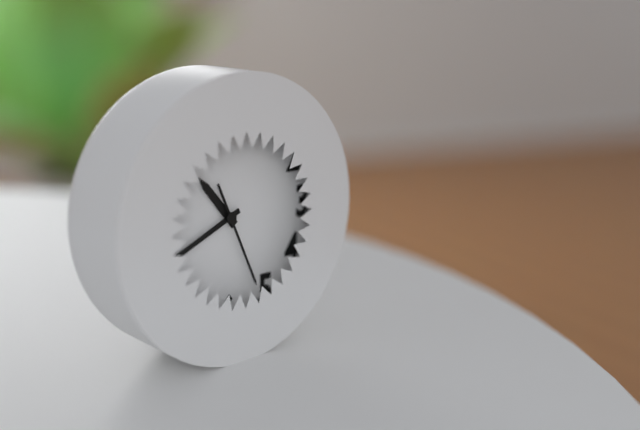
10:41:26
